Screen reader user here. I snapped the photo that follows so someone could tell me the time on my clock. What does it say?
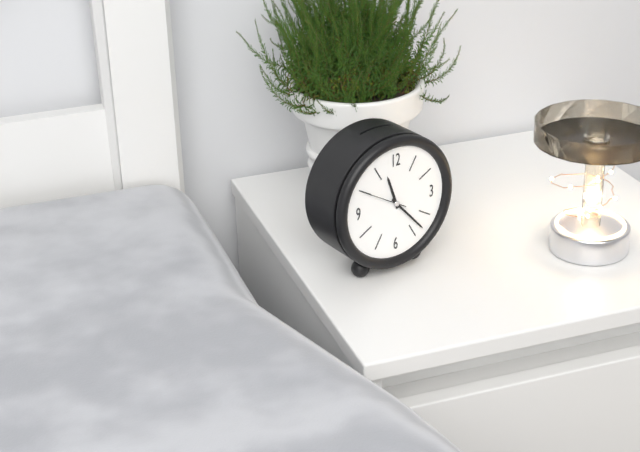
11:23
